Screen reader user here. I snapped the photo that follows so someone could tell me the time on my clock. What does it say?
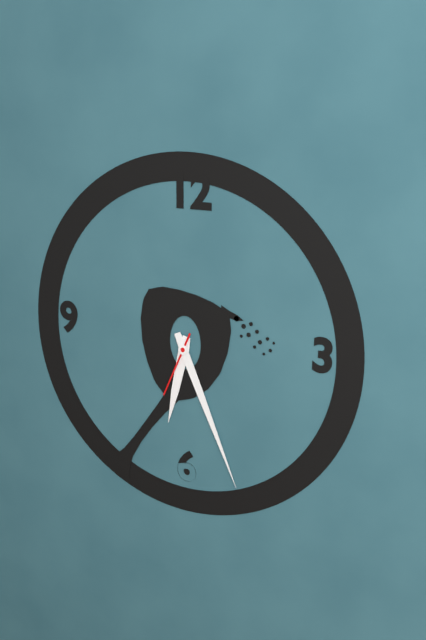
6:26:34
